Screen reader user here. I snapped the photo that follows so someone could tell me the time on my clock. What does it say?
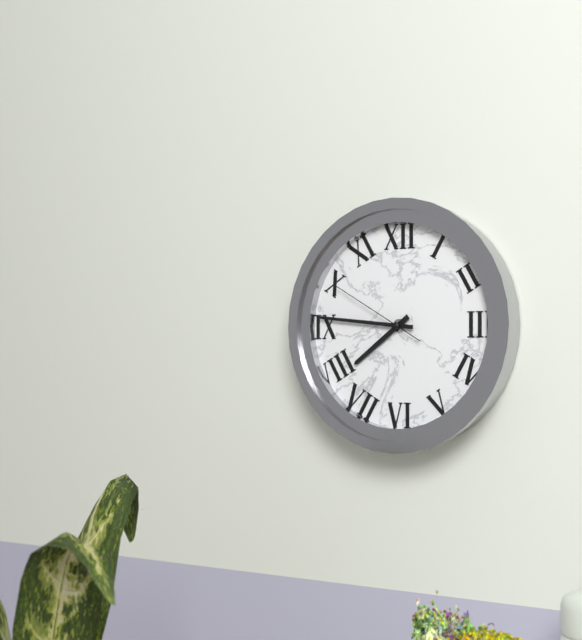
7:46:50
